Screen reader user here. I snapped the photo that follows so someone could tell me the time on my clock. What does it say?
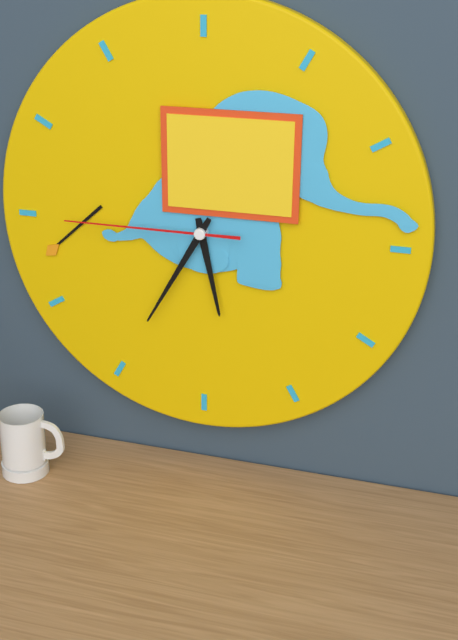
5:35:45
